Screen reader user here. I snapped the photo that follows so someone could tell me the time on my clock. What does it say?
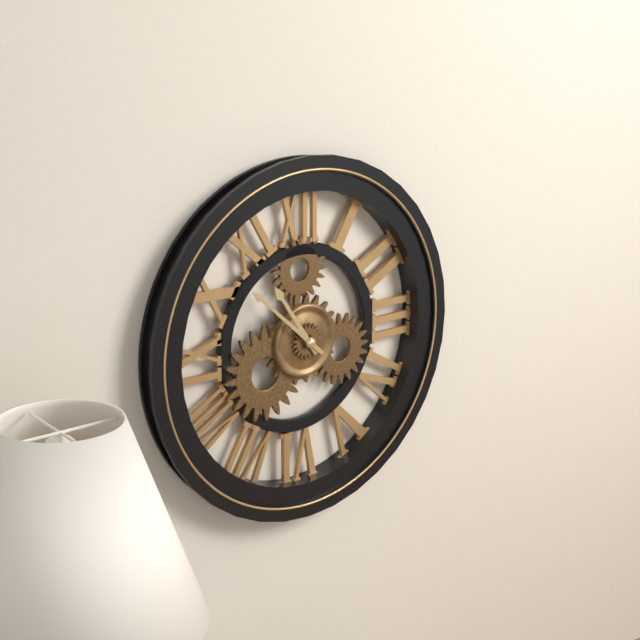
10:52
